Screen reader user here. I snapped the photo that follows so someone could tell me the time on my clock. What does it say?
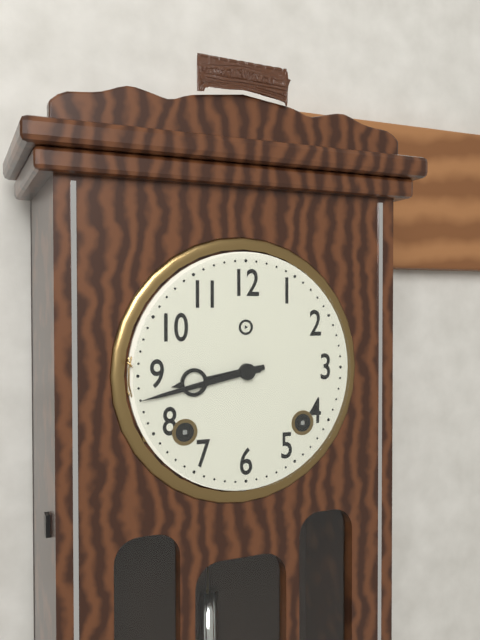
8:43
